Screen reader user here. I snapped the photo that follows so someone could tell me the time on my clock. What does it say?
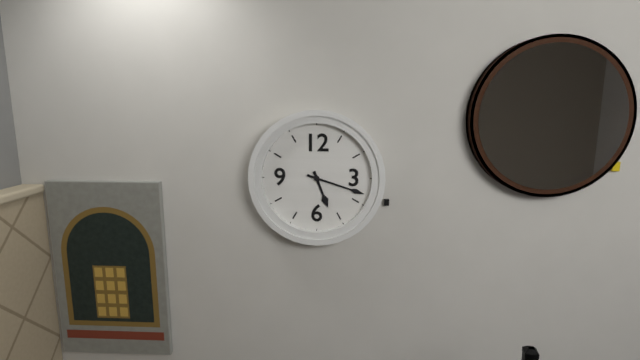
5:18
